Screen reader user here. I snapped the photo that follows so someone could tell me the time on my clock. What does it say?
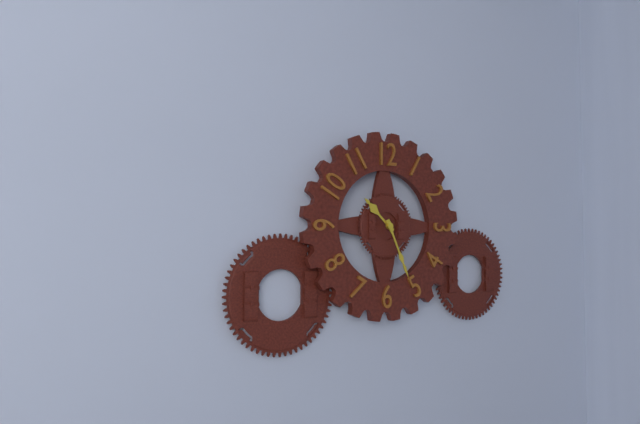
10:26
